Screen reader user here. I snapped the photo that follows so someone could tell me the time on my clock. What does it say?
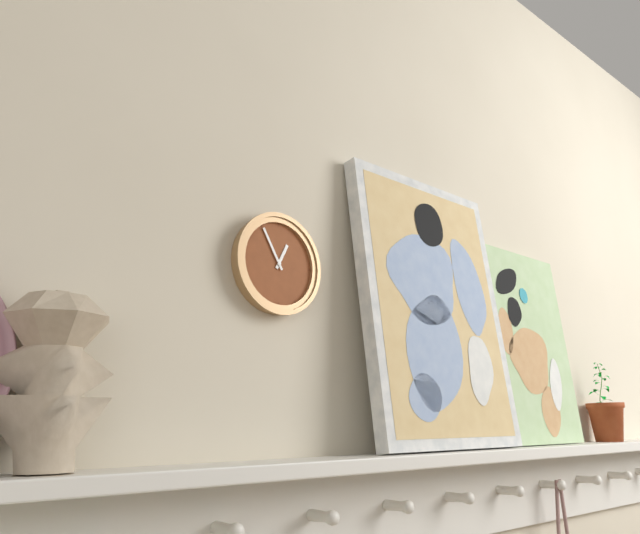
12:55
